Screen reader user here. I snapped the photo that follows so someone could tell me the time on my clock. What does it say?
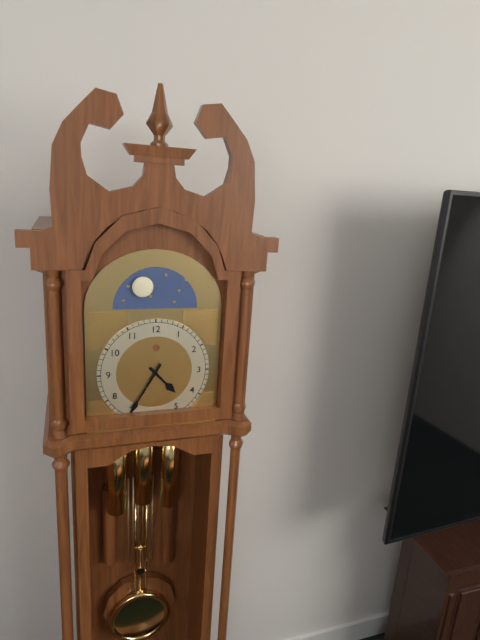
4:35
